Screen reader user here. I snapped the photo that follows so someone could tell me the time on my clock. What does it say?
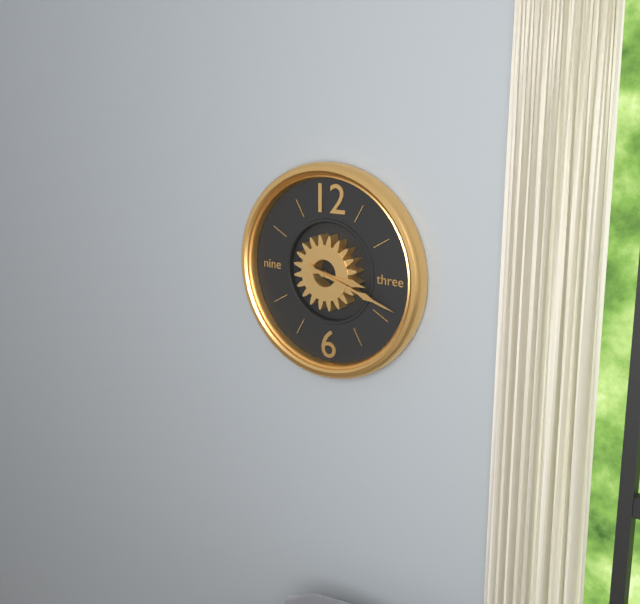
3:18
